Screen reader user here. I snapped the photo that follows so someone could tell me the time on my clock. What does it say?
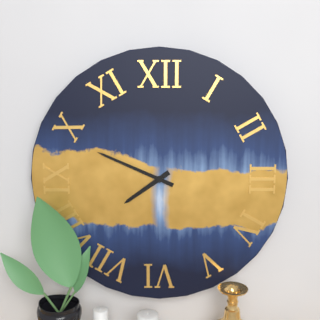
7:49
